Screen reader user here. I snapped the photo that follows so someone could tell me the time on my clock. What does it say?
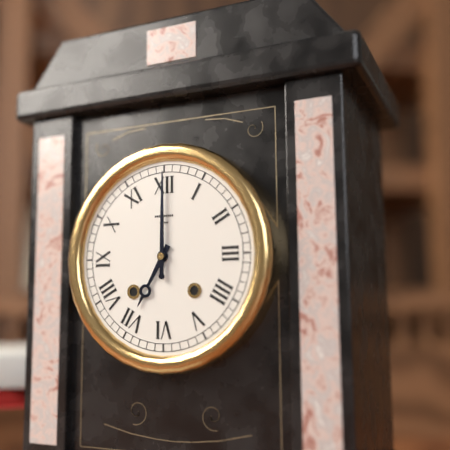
7:00
